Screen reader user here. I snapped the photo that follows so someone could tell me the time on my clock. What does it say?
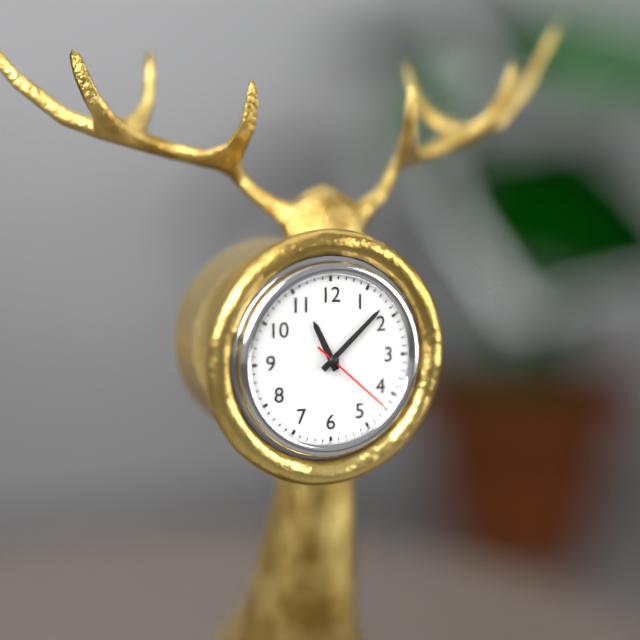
11:08:22
